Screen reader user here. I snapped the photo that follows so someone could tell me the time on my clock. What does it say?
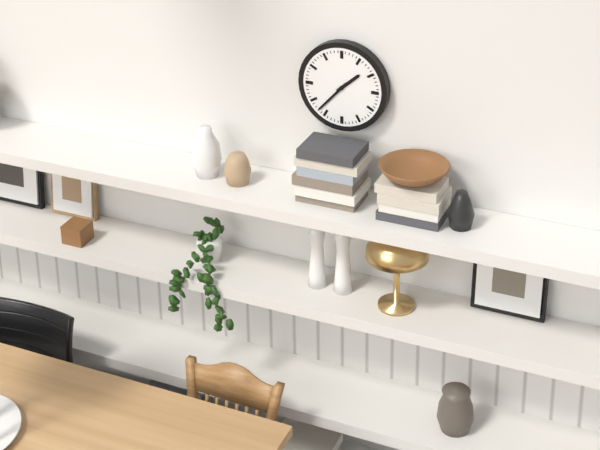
1:37
